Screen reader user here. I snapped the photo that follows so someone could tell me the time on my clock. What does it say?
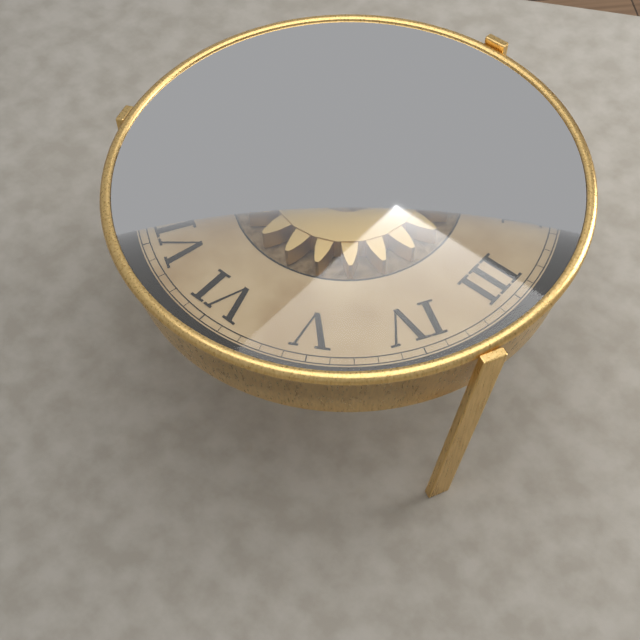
1:06
